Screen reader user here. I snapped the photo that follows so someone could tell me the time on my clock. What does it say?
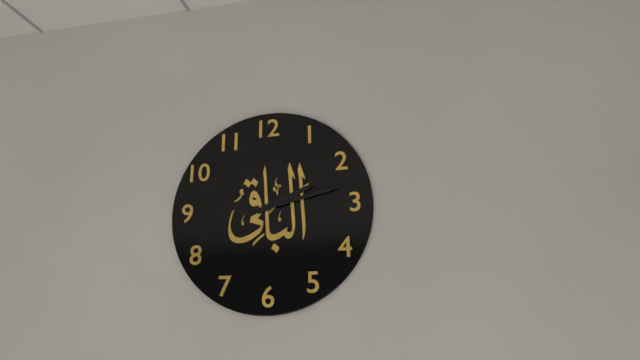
2:13
